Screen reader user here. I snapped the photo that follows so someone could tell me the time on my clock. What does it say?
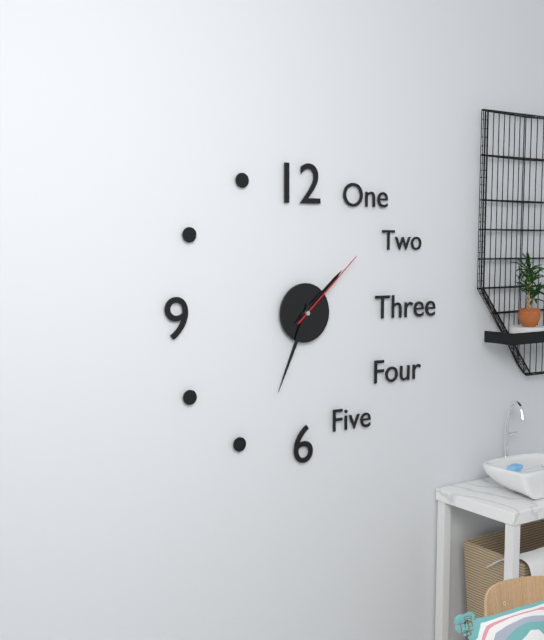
1:34:08
